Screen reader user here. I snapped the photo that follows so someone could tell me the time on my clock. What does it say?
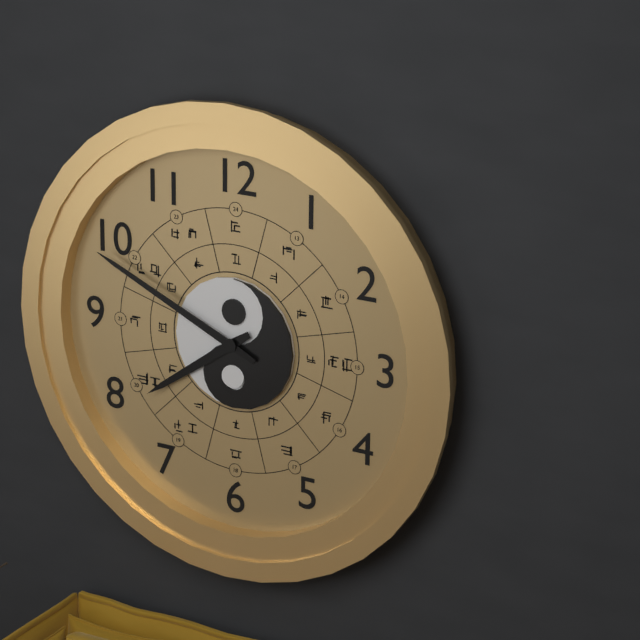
7:49
